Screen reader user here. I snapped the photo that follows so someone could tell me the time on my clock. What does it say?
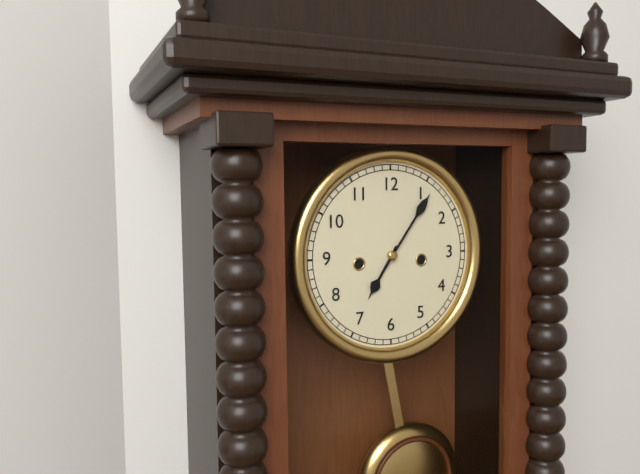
7:06
